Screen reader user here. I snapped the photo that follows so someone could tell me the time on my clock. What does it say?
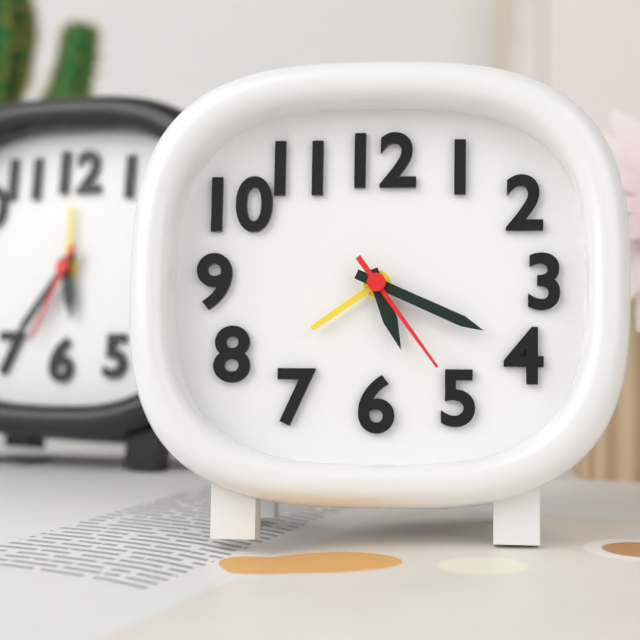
5:19:24
